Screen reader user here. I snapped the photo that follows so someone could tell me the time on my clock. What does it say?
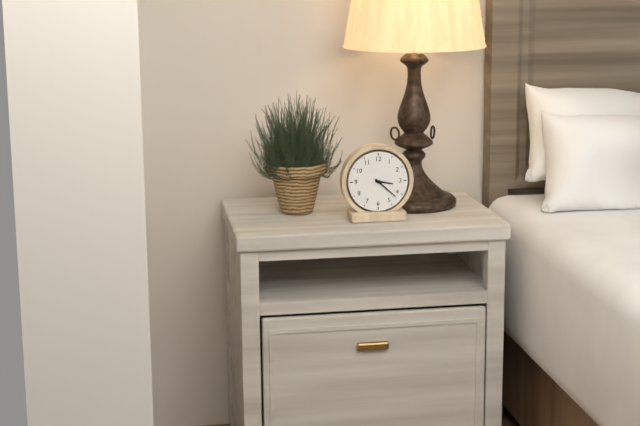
3:22
